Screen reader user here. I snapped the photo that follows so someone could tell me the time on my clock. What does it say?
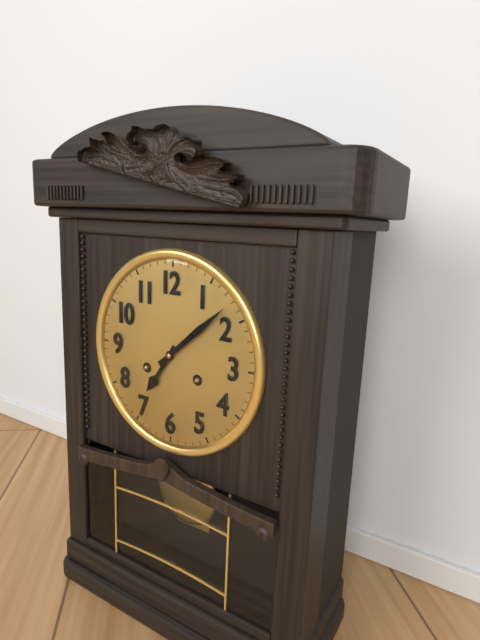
7:08
